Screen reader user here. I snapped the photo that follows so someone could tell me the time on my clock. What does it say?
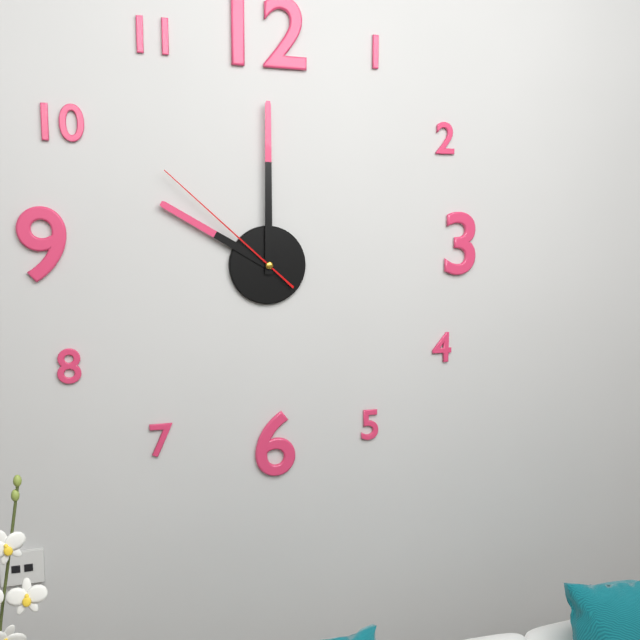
10:00:52
